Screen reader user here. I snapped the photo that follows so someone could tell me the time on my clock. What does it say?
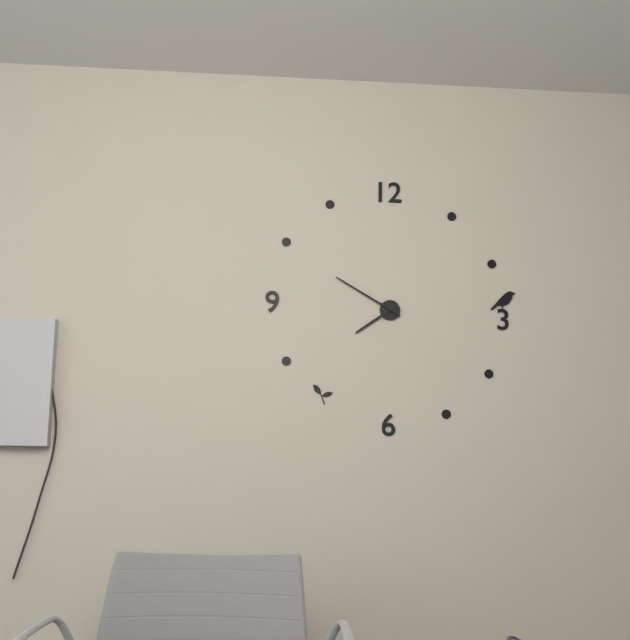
7:50
